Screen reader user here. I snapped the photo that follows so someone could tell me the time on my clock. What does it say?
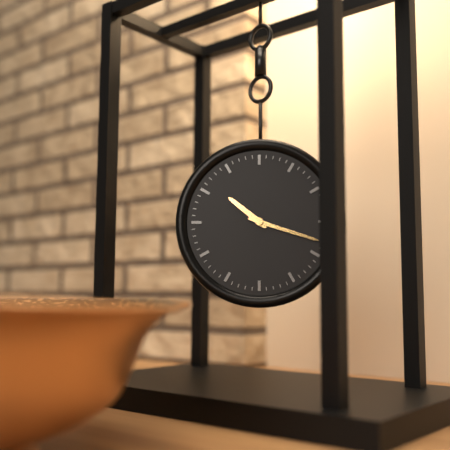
10:18
